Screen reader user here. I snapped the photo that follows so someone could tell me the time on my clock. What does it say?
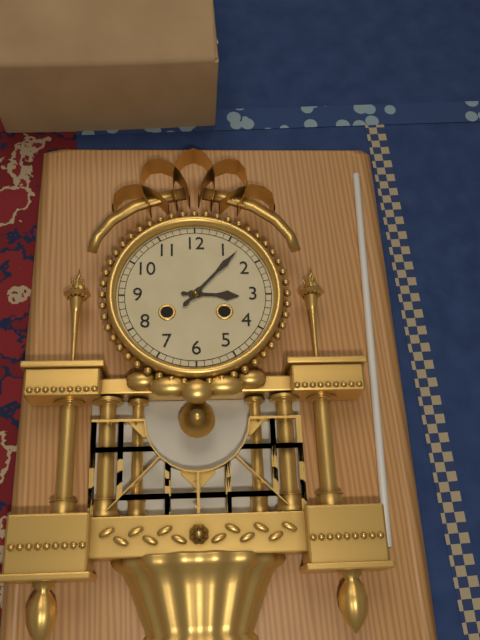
3:07
